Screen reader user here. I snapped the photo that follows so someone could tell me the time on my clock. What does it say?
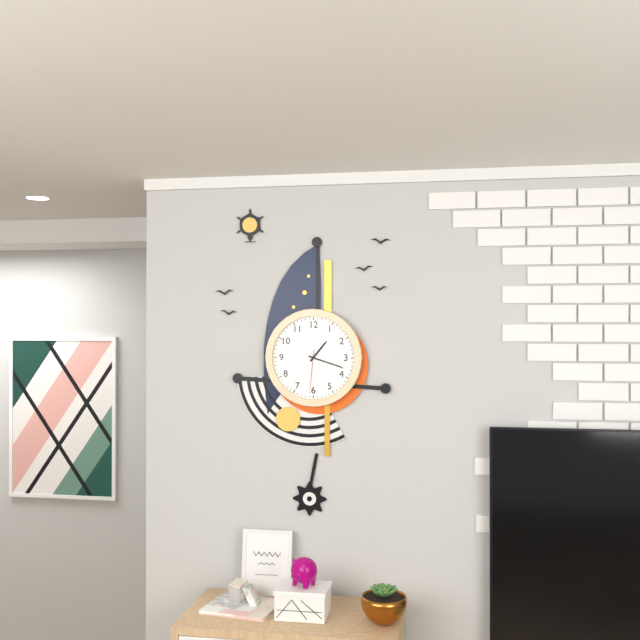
1:18
